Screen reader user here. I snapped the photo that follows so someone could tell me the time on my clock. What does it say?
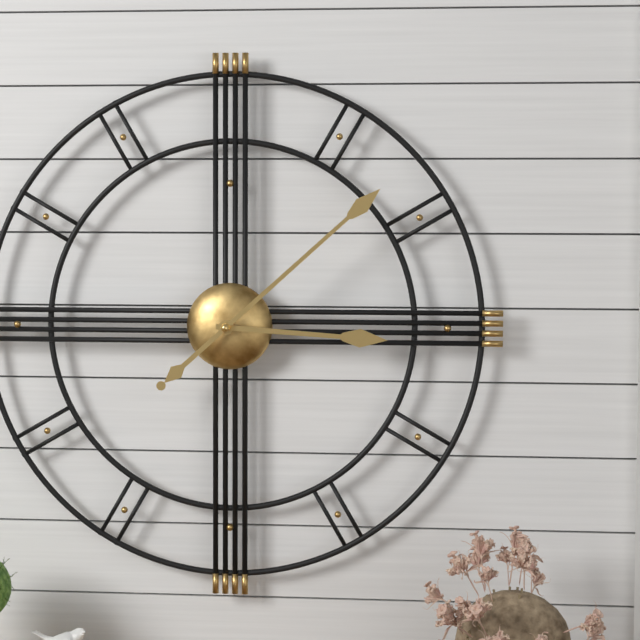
3:08
